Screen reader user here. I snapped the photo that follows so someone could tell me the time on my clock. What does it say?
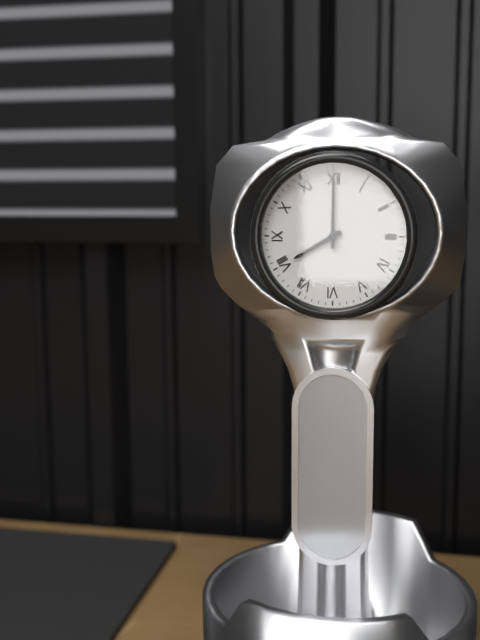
8:00
